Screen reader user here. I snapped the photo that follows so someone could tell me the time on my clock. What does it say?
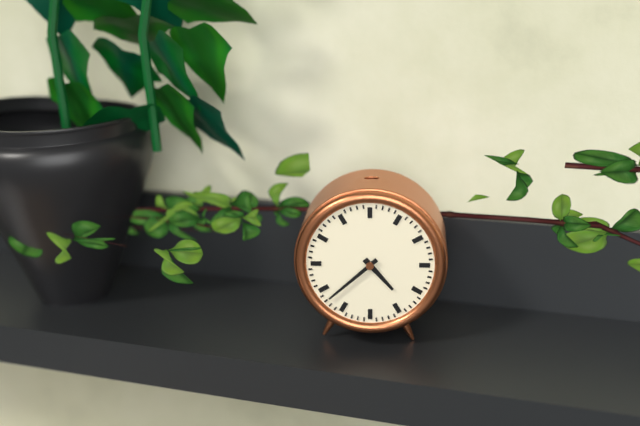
4:38
